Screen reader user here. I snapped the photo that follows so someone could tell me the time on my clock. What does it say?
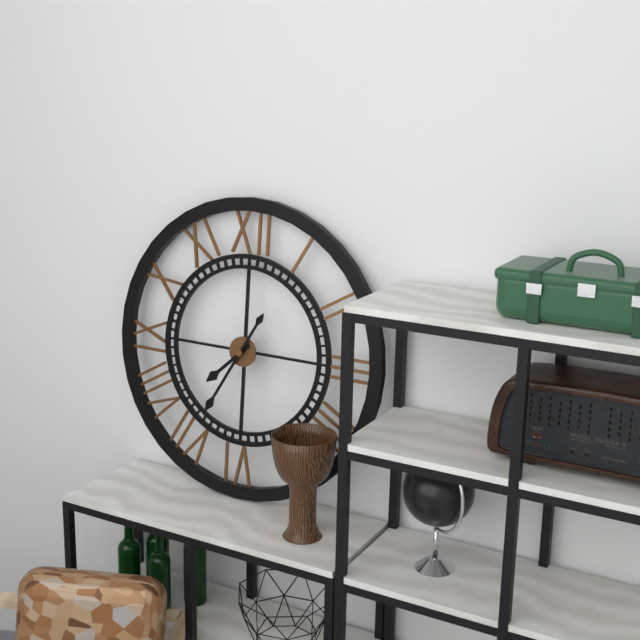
7:35
